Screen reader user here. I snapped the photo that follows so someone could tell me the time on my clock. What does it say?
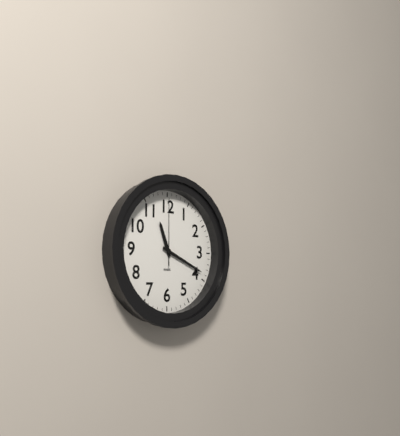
11:19:00
